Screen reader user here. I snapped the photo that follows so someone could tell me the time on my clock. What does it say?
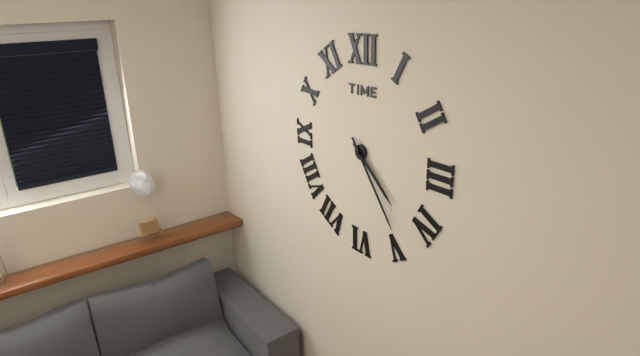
4:24
